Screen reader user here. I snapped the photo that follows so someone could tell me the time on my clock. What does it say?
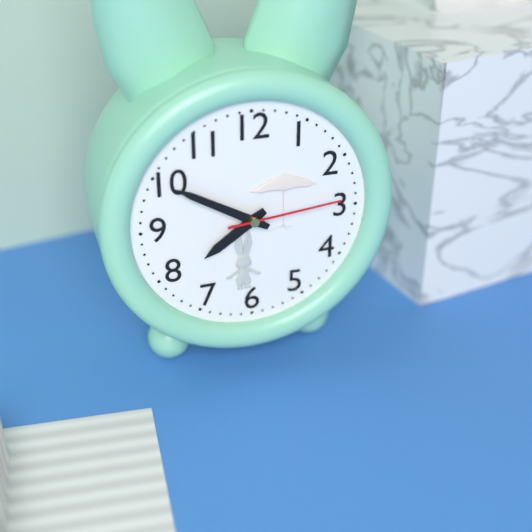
7:50:14
